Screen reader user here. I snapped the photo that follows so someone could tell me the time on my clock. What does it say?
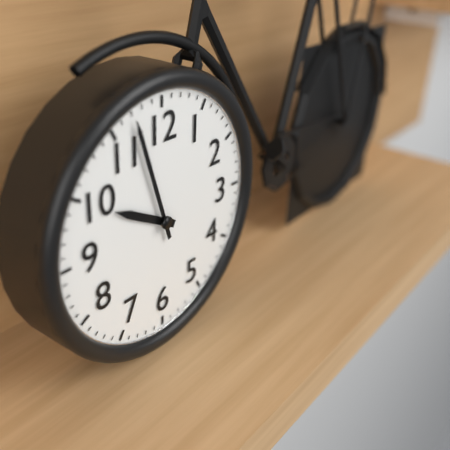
9:57
